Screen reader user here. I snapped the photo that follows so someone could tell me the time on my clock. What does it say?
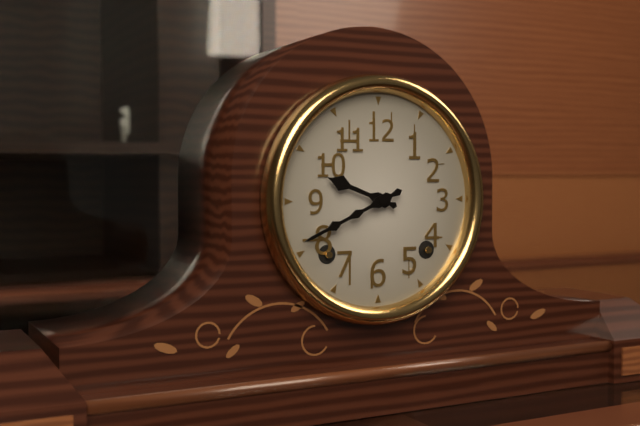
9:41
